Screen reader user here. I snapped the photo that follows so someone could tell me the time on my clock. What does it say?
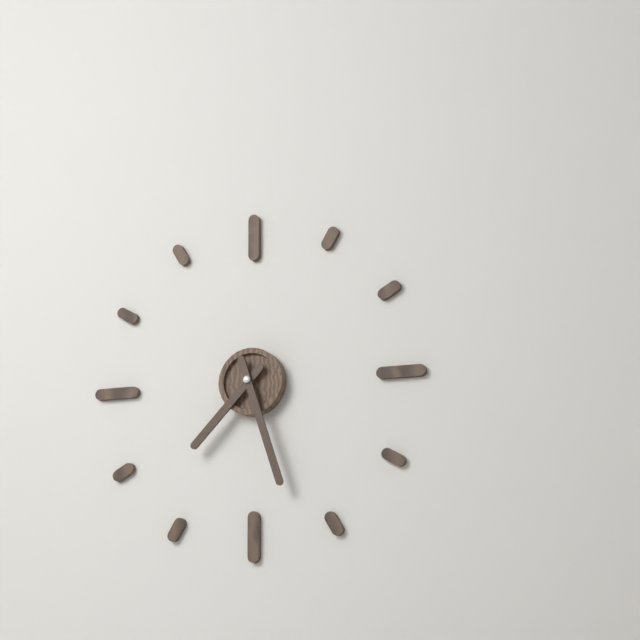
7:27
